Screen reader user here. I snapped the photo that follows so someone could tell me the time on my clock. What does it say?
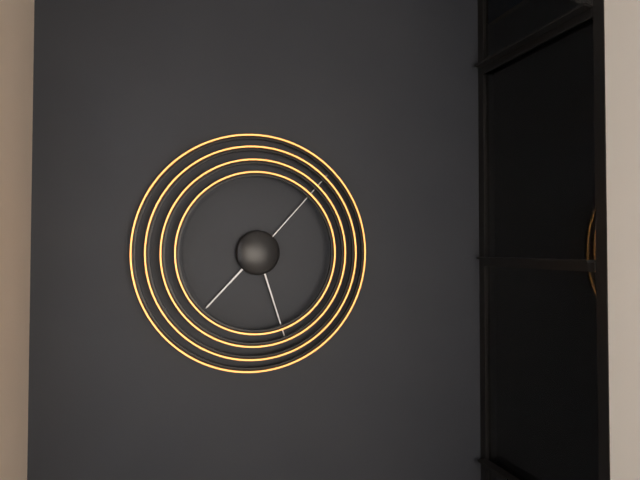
7:27:07
